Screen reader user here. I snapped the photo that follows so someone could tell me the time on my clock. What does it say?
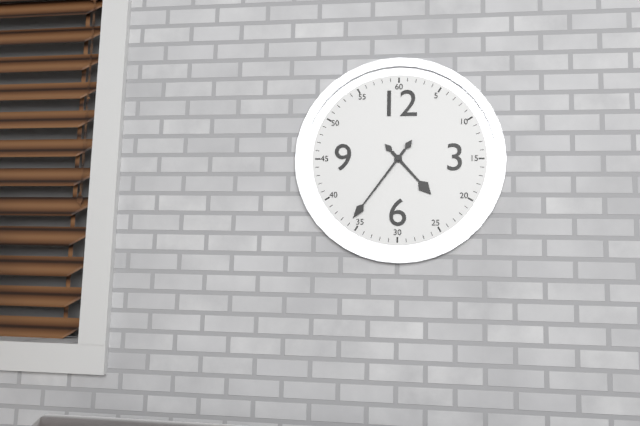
4:36
